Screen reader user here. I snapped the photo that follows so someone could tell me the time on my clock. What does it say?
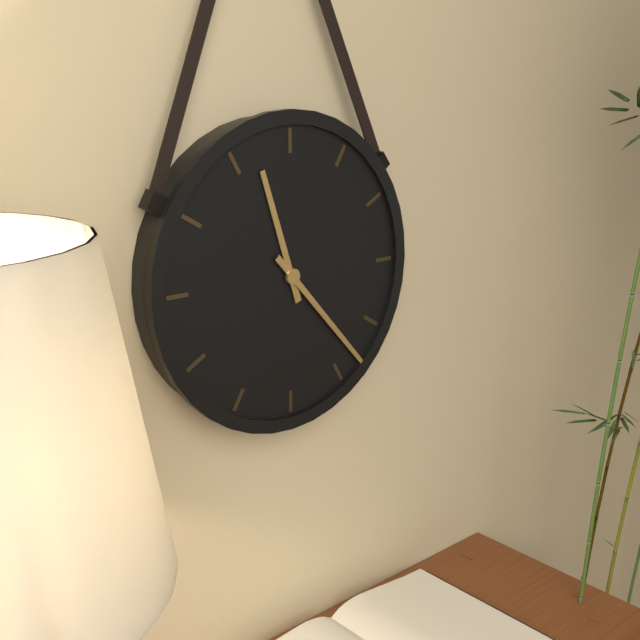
11:23
